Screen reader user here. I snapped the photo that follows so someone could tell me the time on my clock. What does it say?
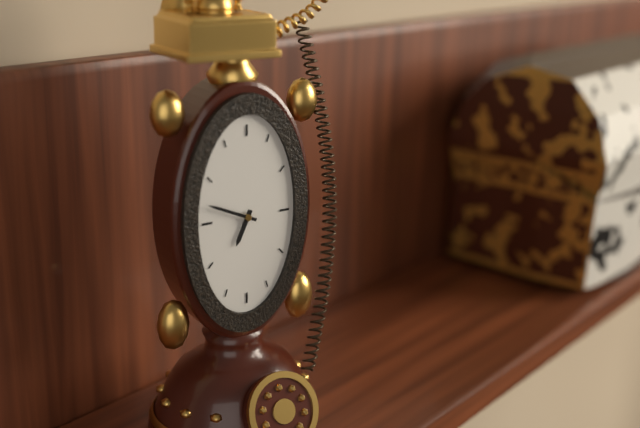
6:49
